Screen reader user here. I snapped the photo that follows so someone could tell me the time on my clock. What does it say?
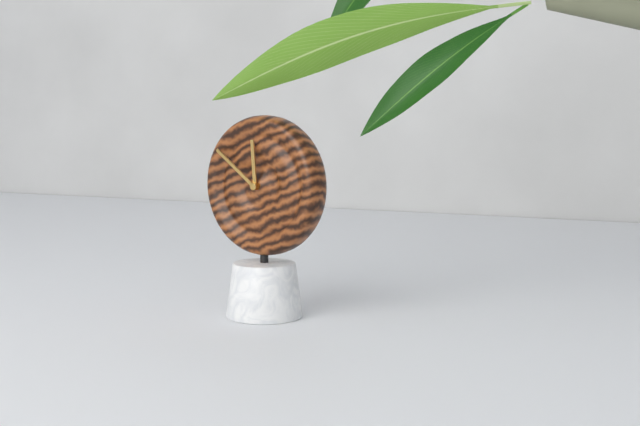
11:51
